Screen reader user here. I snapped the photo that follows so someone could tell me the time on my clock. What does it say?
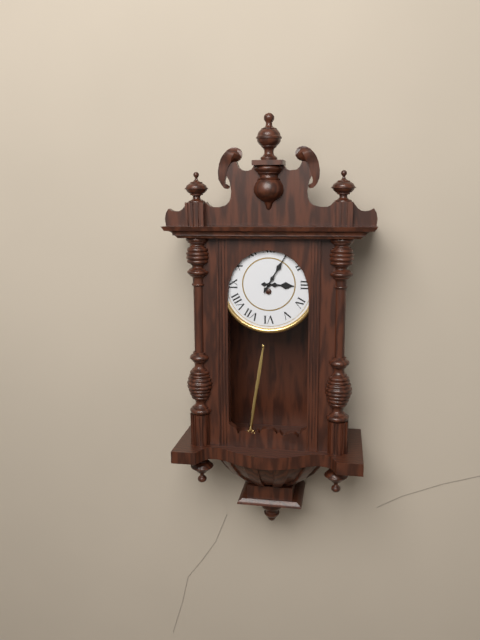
3:05
